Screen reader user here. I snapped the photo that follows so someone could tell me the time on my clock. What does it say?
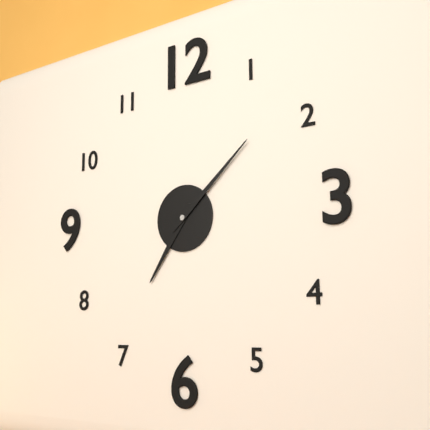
7:08
